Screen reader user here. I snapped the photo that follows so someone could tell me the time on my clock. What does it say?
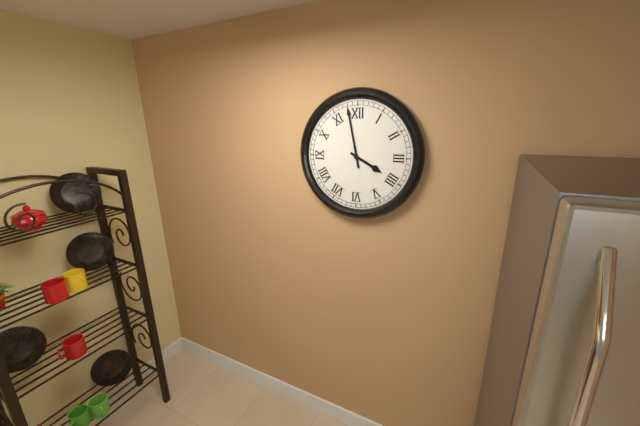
3:58
